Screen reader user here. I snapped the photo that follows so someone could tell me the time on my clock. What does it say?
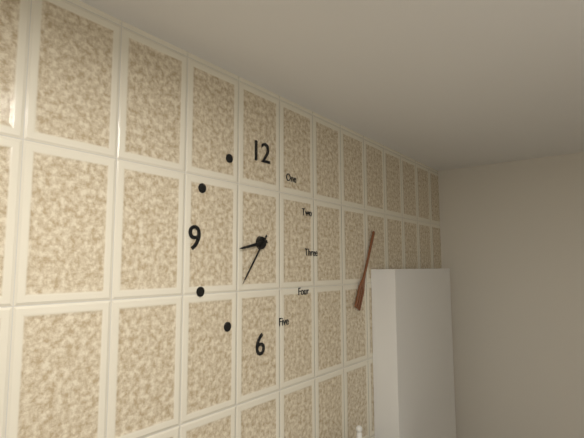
8:36
